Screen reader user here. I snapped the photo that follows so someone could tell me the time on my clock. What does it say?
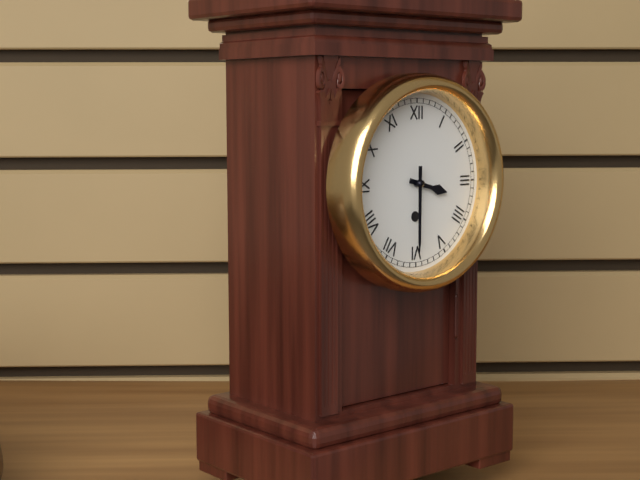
3:30
